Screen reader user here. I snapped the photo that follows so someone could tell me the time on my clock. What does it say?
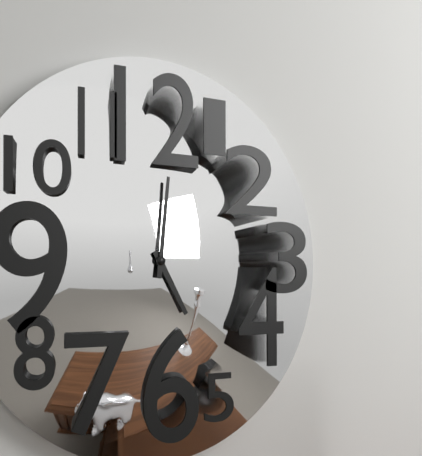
5:01
